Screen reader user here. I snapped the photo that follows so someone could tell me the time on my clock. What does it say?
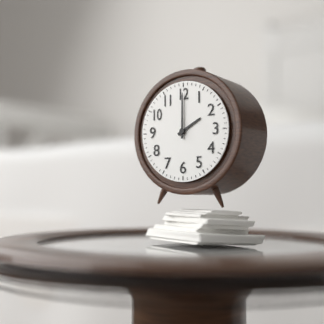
2:00
